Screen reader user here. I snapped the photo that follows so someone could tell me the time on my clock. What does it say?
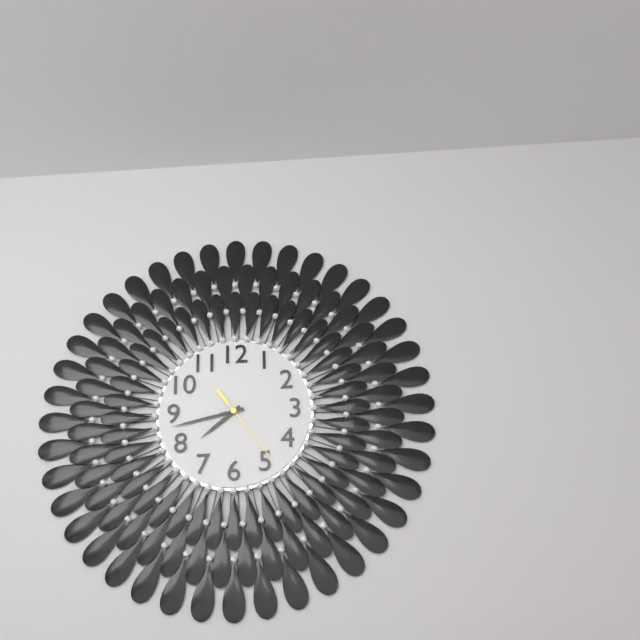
7:43:24
